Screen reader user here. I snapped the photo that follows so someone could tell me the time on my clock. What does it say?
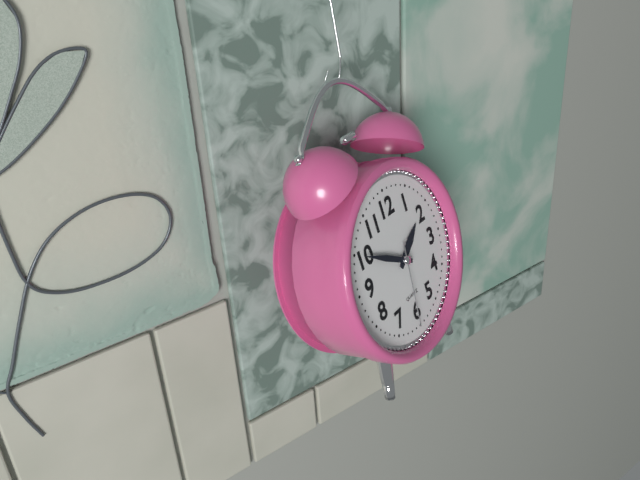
1:50:31
